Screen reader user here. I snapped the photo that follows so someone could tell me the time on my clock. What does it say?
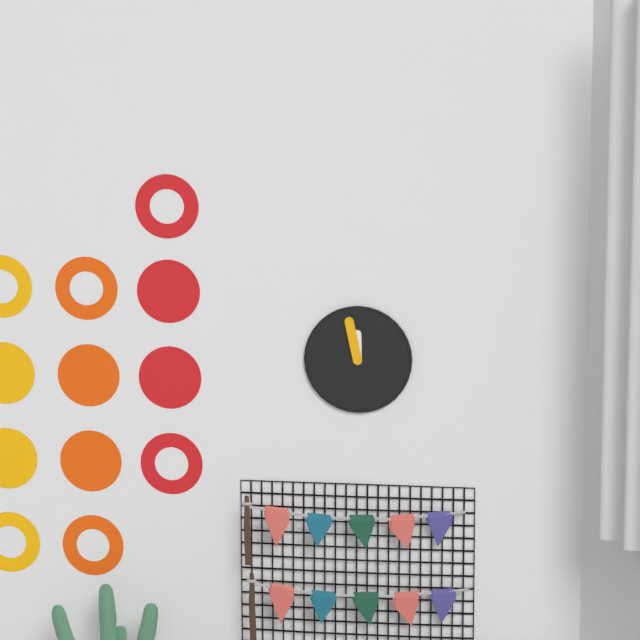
11:58
